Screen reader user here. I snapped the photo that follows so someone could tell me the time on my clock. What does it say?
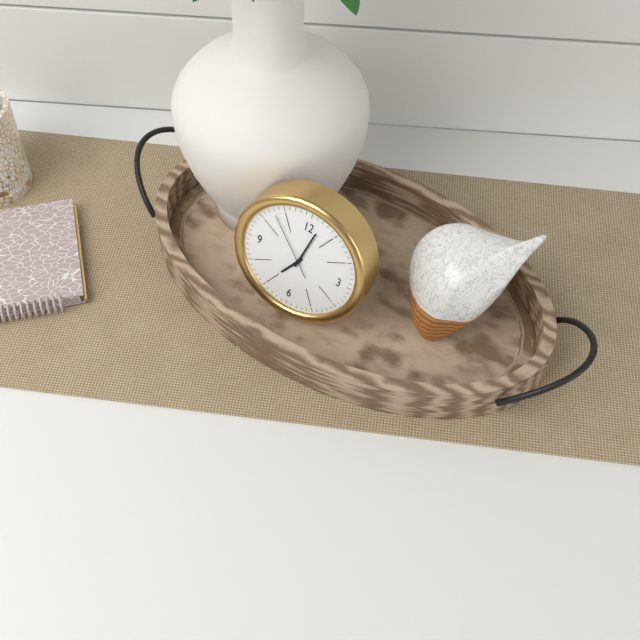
7:02:53
